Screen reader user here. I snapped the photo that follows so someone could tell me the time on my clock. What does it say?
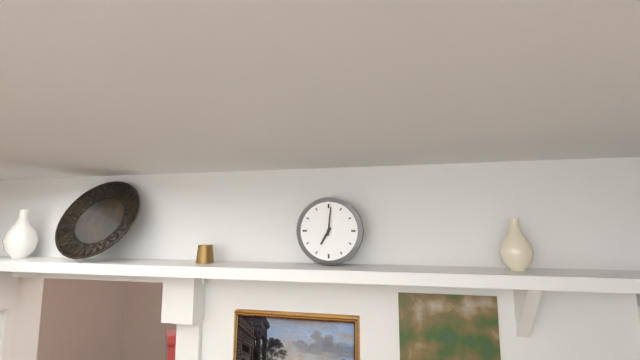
7:01
